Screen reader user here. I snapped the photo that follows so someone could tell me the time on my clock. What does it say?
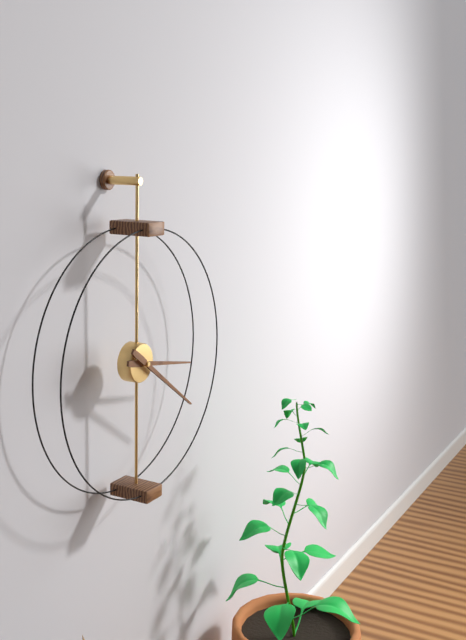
3:21
